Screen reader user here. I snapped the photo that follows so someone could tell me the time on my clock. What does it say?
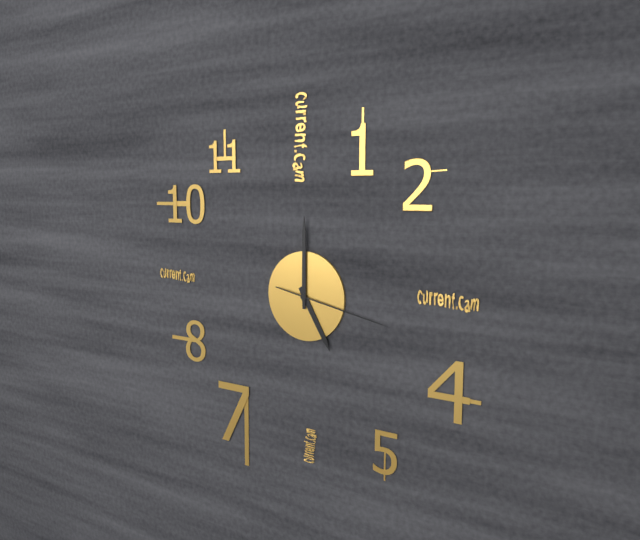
5:00:17
